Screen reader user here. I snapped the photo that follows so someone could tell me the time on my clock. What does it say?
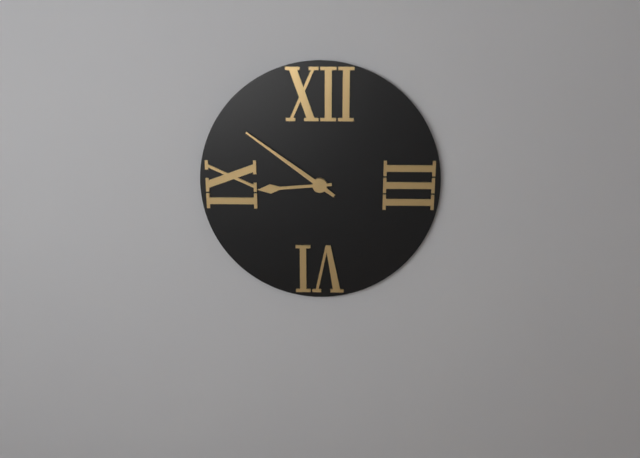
8:51
